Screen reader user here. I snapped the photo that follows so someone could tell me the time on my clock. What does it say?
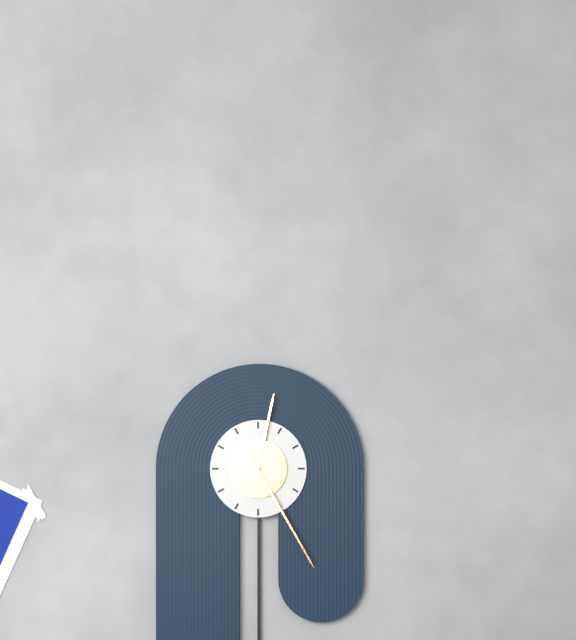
12:25
